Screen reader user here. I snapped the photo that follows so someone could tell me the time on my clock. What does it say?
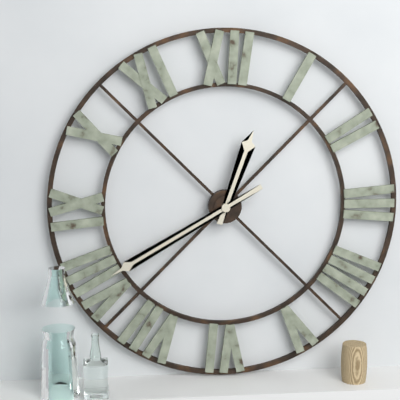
12:40
